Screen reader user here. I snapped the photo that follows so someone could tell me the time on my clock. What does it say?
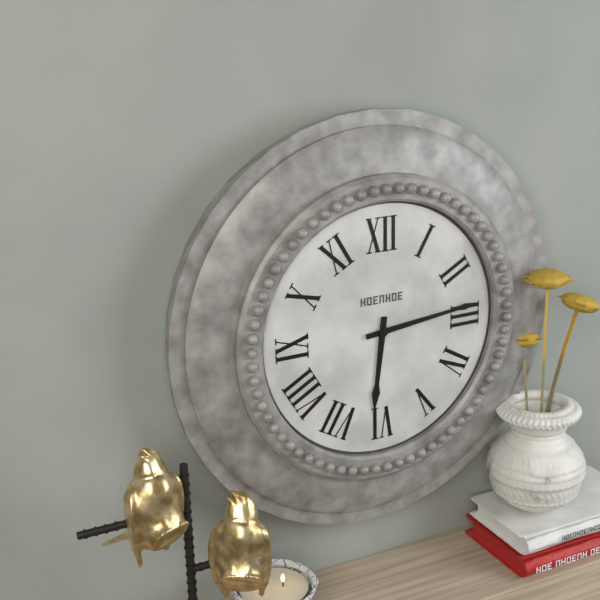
6:14
